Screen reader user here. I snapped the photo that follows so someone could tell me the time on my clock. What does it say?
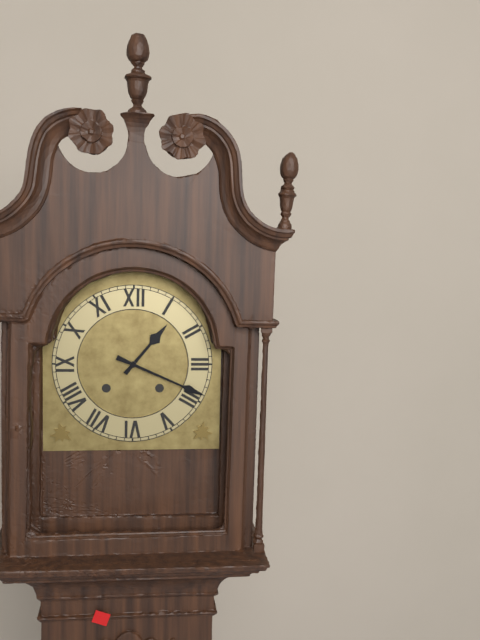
1:19
